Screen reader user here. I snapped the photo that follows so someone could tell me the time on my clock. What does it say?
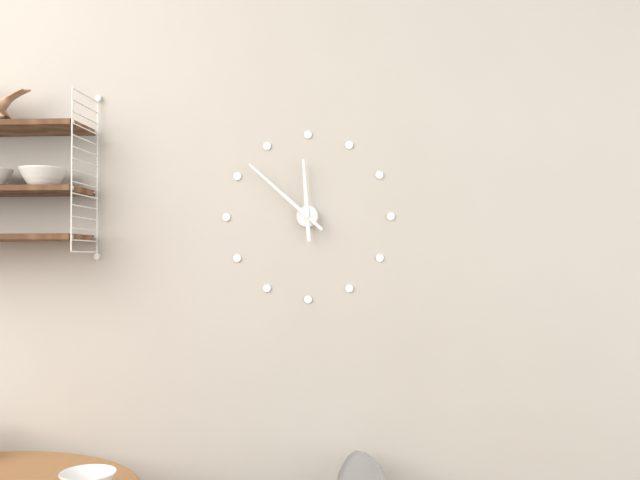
11:52
